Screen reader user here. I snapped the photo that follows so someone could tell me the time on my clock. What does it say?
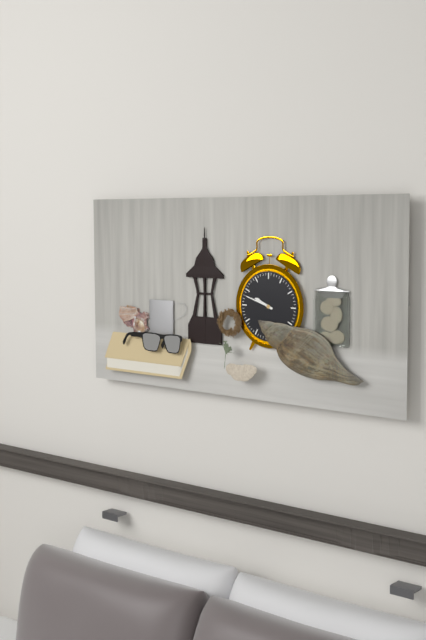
9:48
